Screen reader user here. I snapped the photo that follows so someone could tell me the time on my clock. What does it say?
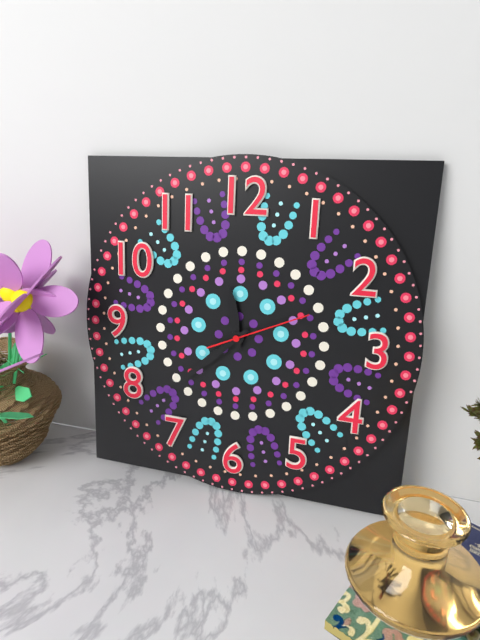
11:38:11
